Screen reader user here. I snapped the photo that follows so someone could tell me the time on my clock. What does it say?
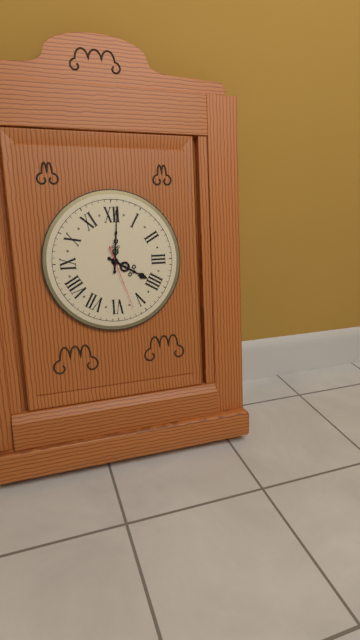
4:01:27
